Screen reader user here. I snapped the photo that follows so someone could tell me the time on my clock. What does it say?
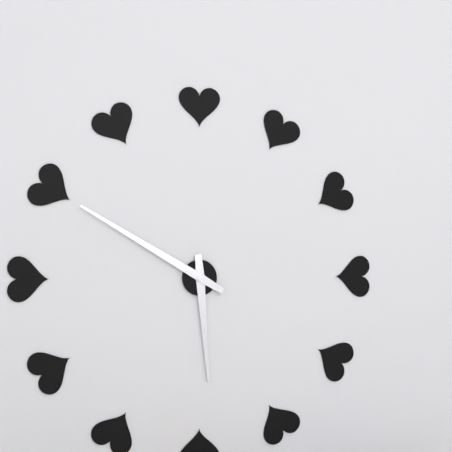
5:50
